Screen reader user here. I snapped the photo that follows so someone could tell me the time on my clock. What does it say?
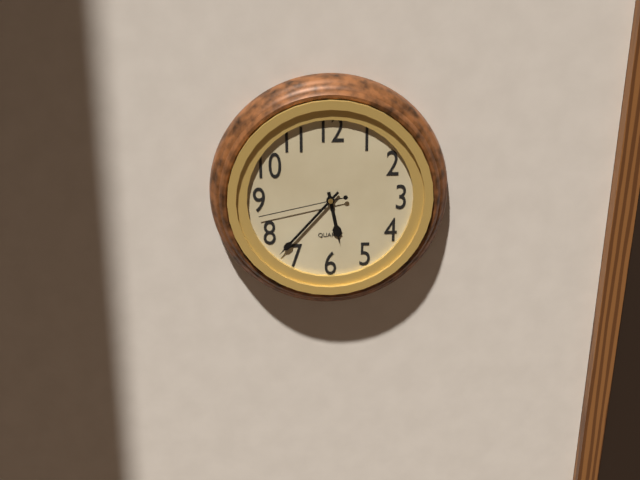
5:37:43
